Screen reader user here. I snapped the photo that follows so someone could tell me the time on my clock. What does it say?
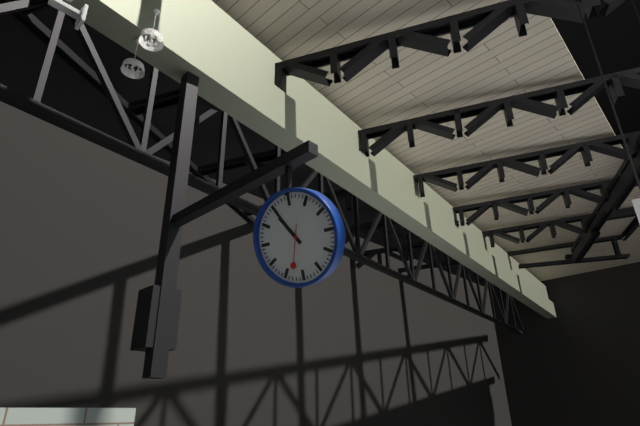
10:55
